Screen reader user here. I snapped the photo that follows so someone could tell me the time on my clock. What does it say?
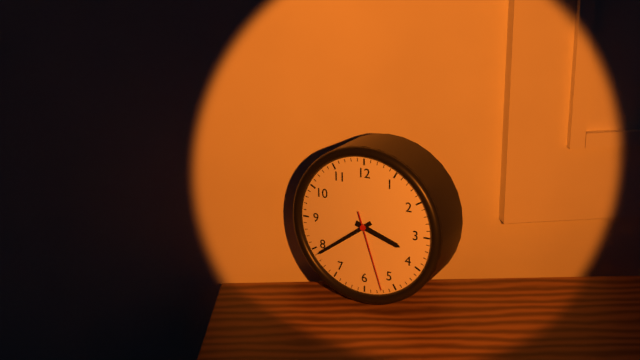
3:39:27
